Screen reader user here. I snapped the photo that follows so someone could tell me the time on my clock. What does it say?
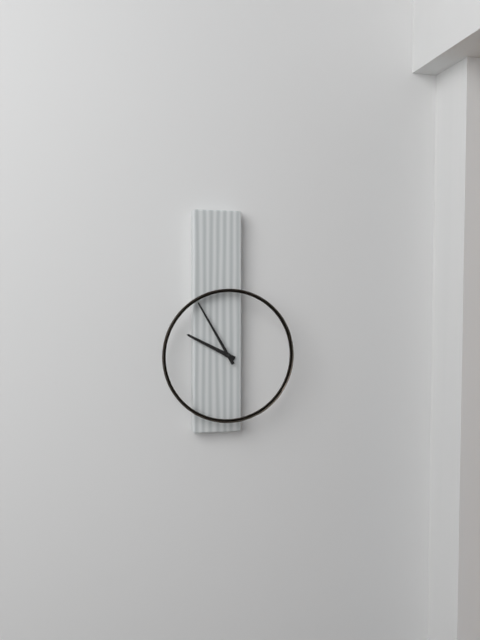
9:55
